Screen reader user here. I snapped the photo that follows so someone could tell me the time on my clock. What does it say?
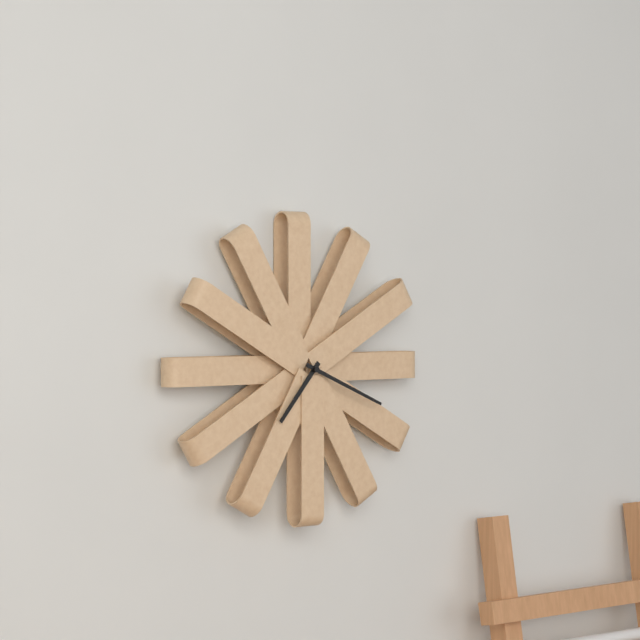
7:19
